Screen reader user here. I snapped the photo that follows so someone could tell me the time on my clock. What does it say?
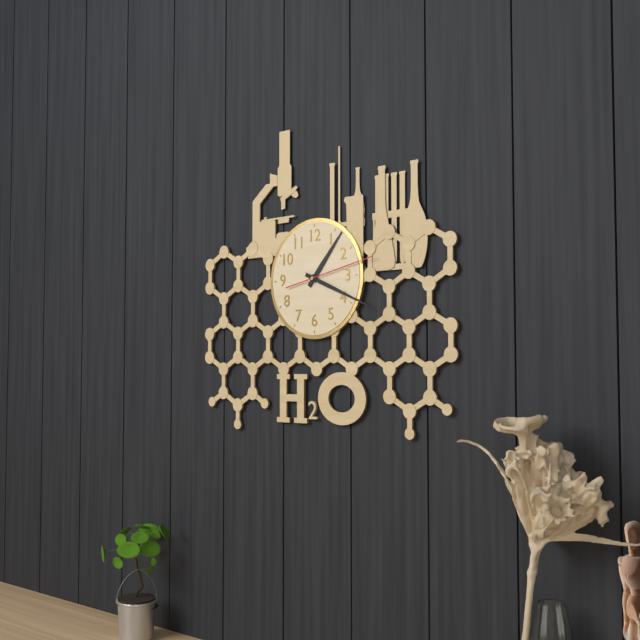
1:19:13
